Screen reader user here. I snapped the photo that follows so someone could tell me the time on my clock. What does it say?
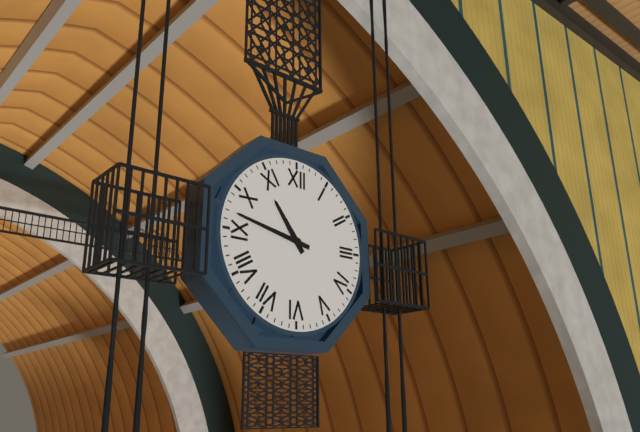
10:47
